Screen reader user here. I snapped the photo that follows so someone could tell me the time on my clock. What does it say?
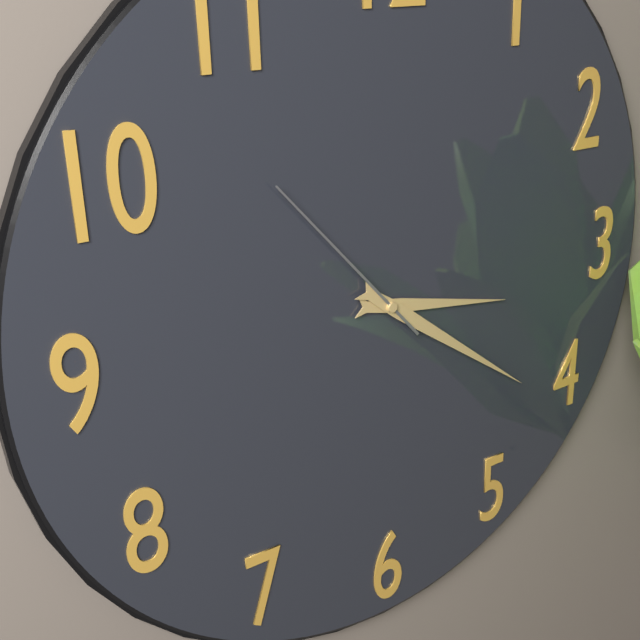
3:21:53
